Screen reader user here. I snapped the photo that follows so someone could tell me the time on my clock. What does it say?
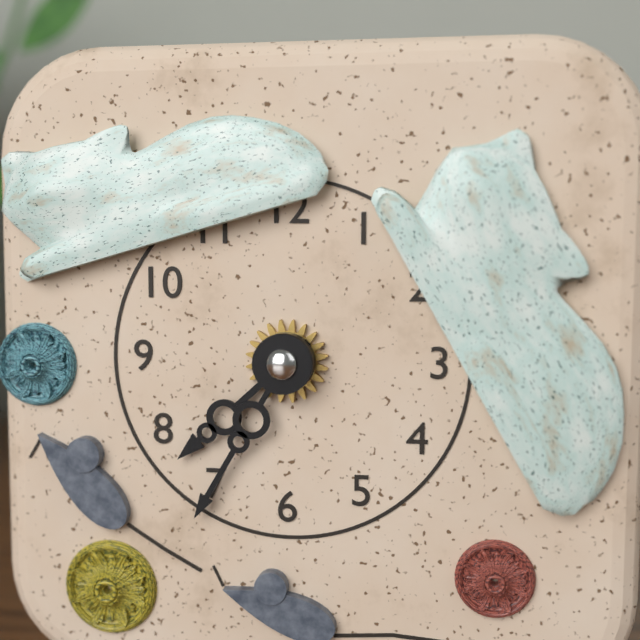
7:35
